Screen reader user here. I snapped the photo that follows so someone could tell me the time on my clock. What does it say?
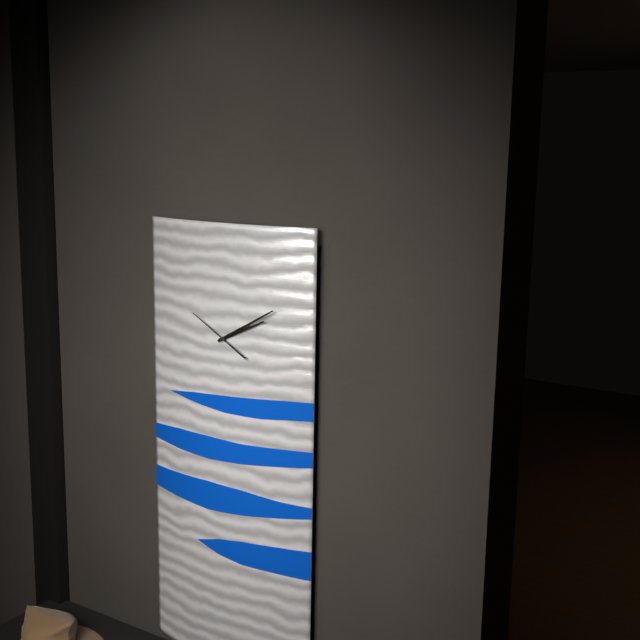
2:10:50
